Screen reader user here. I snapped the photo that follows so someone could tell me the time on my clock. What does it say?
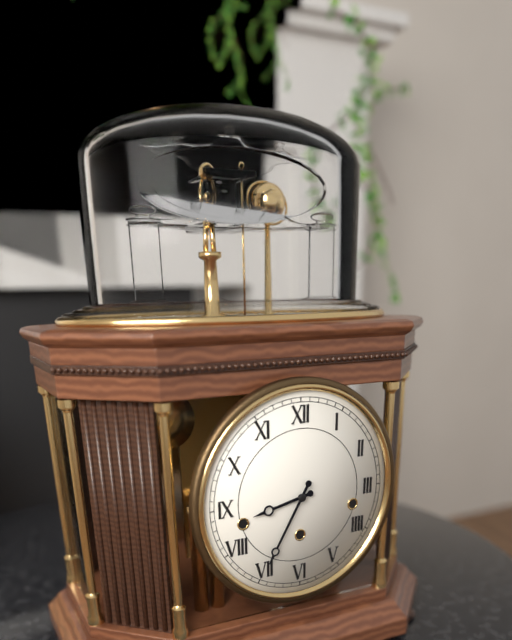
8:35
